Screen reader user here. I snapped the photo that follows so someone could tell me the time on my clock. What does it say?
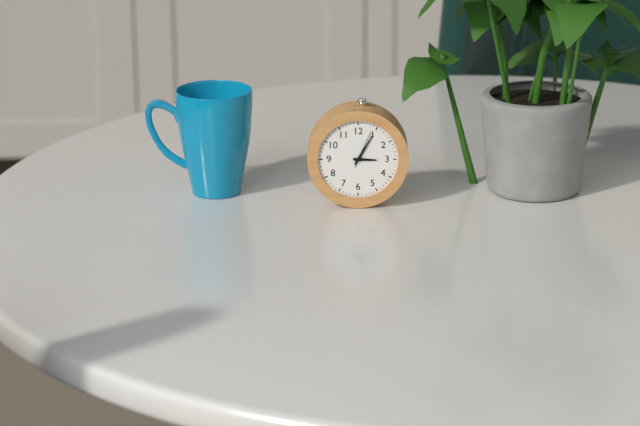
3:05
